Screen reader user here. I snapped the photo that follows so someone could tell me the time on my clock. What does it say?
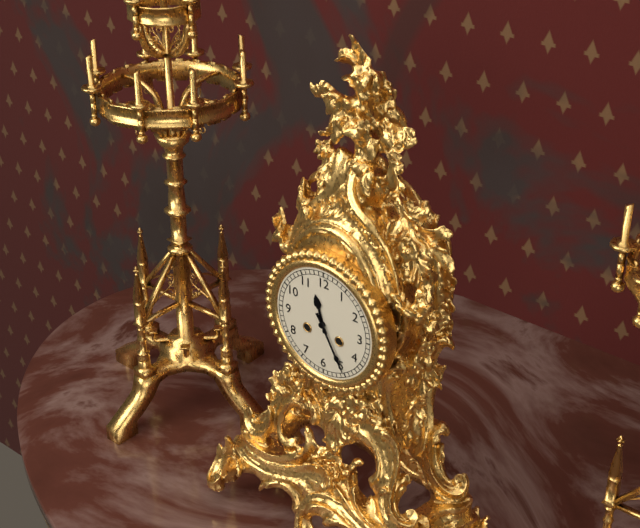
11:25
